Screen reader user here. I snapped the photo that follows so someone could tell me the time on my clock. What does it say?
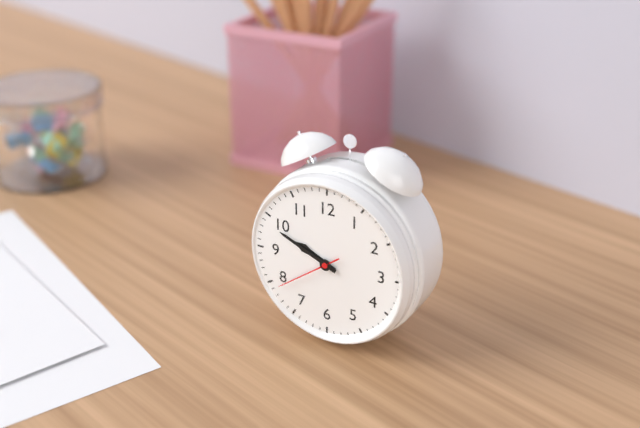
9:49:39
